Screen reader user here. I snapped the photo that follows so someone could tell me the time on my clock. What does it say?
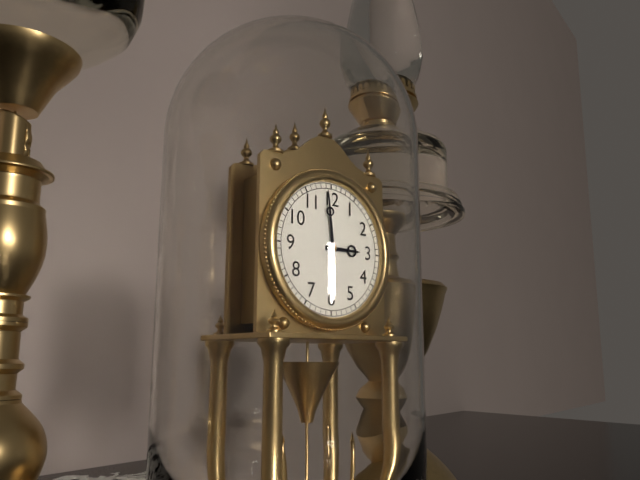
2:59
